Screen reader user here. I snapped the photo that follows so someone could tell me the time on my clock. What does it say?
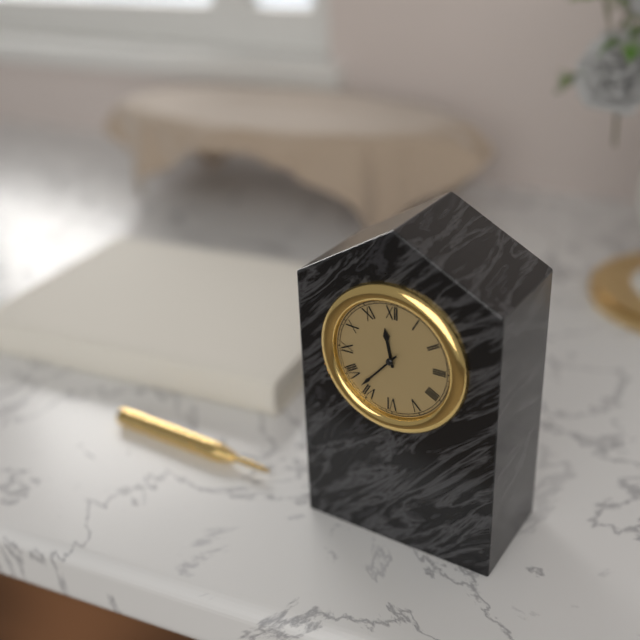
11:37
